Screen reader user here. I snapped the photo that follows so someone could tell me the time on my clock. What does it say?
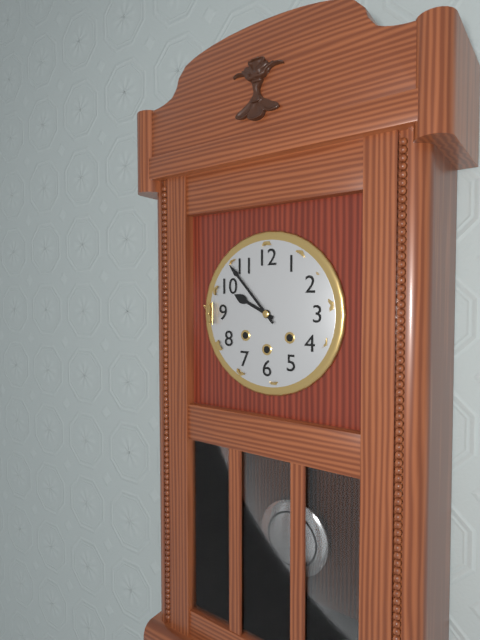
9:53
